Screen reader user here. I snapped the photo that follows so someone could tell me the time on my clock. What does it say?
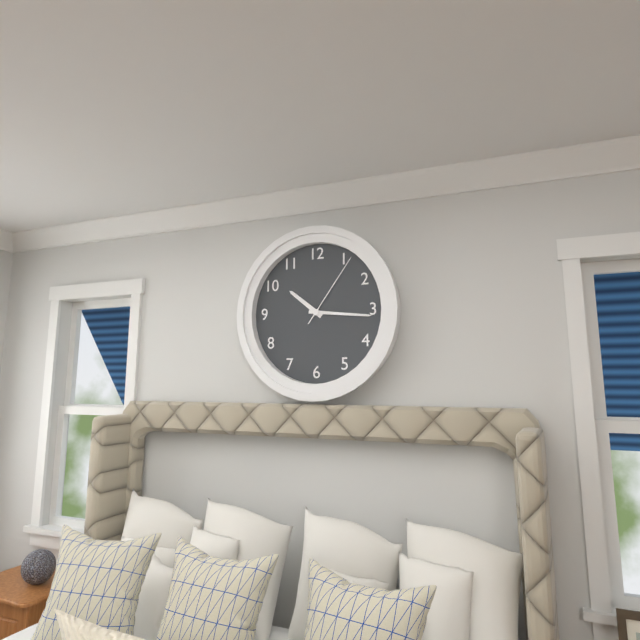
10:16:06
